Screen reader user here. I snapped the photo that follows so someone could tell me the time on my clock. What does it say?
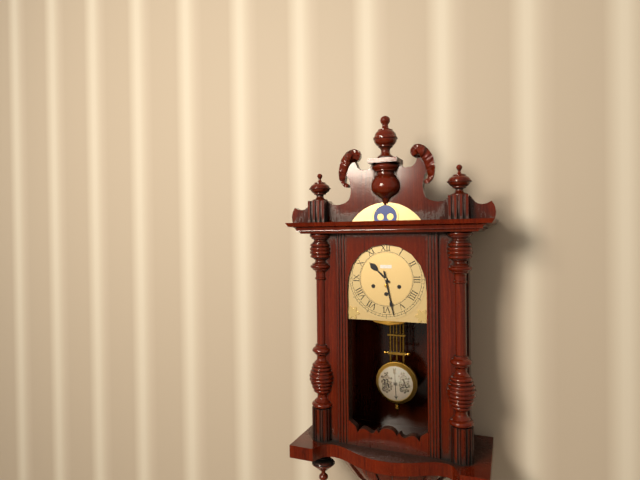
10:28
